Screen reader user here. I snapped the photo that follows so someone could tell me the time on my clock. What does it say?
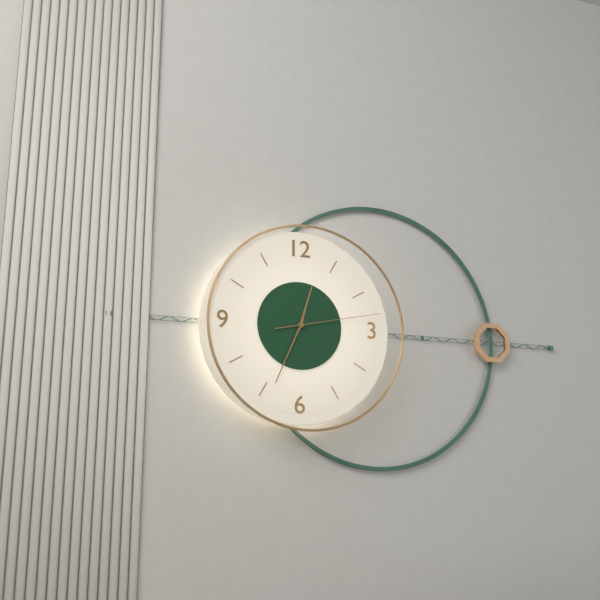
12:34:13
